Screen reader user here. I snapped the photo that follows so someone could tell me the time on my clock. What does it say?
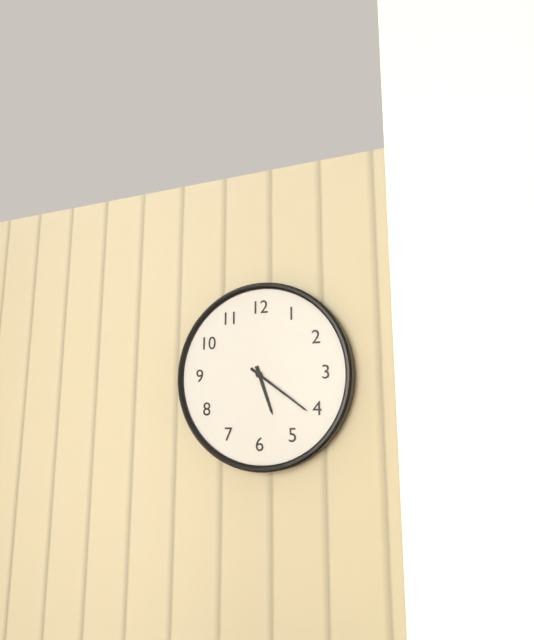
5:21
